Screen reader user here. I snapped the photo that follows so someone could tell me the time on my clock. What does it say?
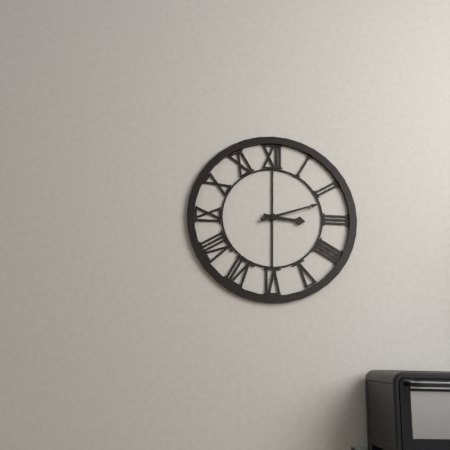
3:12
